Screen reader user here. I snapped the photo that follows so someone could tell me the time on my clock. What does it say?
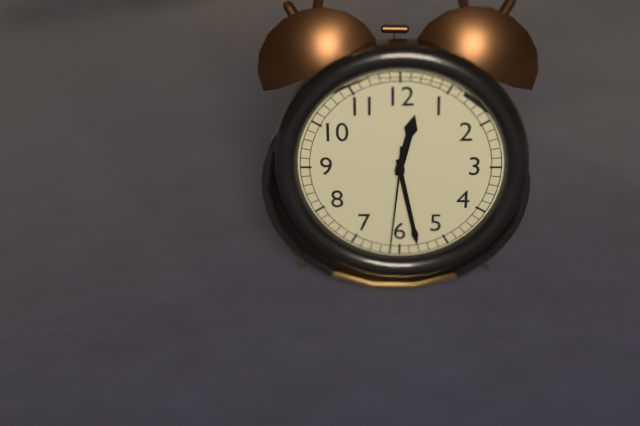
12:28:31
